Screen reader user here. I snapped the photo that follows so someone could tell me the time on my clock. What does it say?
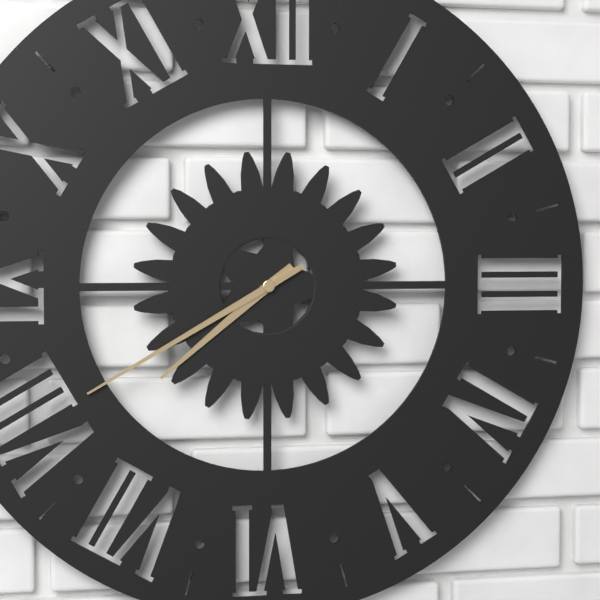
7:40
